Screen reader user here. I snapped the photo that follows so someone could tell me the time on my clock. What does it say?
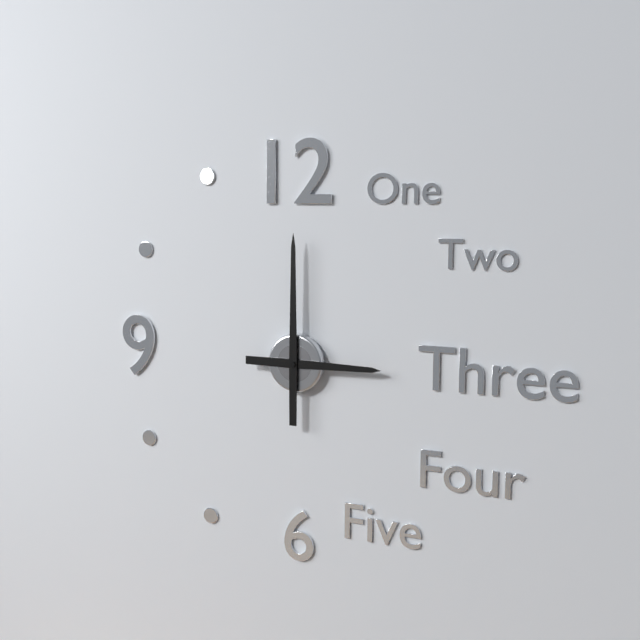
3:00
